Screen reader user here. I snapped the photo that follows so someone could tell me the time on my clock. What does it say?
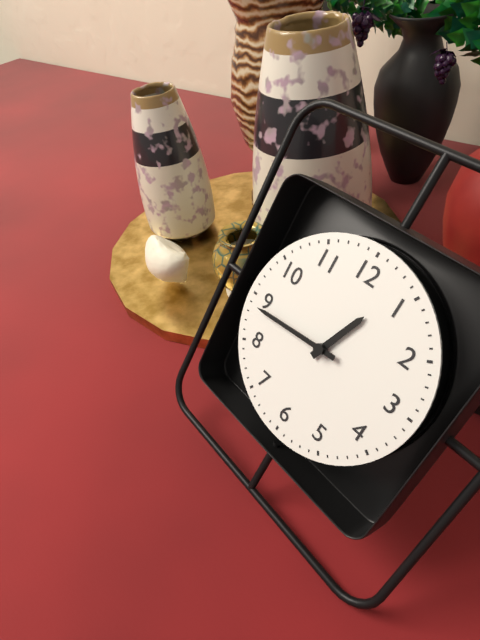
12:44
